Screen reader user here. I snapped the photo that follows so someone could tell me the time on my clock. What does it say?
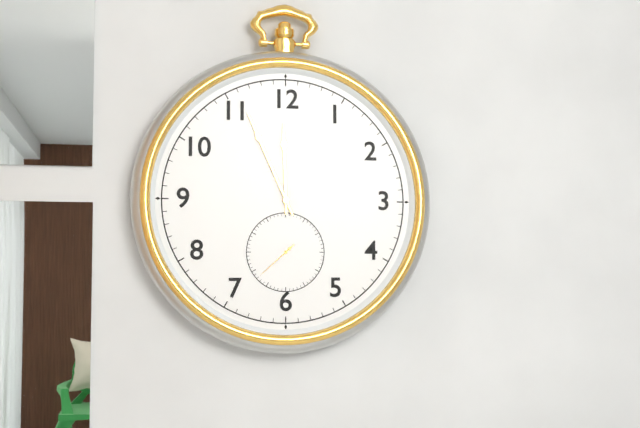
11:56
